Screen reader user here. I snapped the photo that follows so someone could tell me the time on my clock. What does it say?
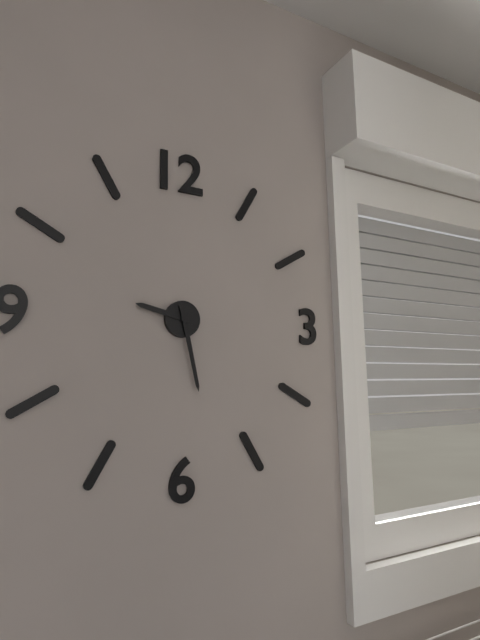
9:28
